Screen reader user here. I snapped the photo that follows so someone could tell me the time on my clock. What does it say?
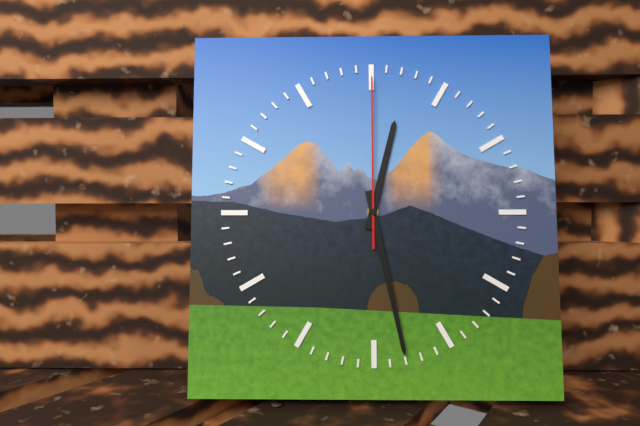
12:28:00
